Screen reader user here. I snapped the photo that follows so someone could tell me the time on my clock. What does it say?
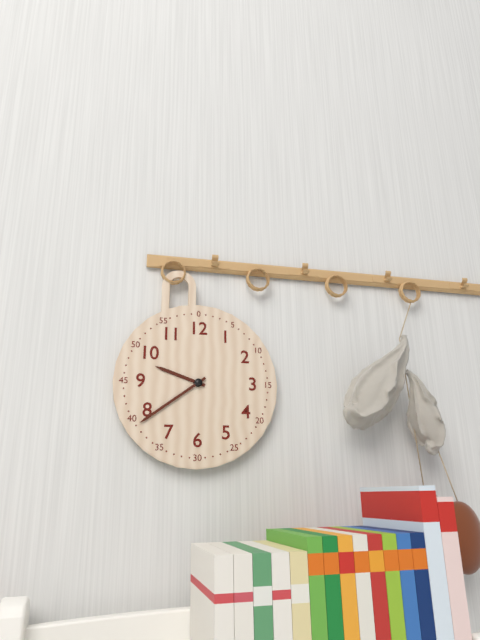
9:39
